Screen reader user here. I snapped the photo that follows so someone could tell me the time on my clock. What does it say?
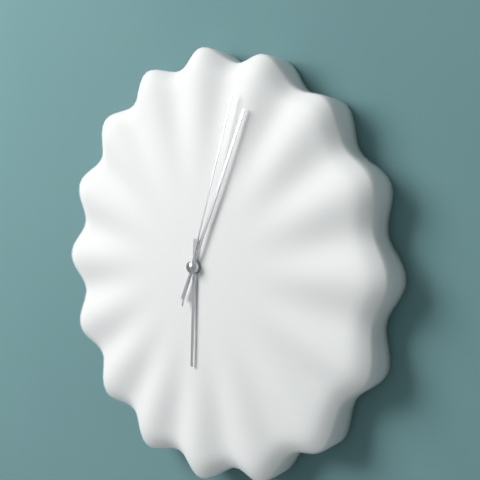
6:04:03
